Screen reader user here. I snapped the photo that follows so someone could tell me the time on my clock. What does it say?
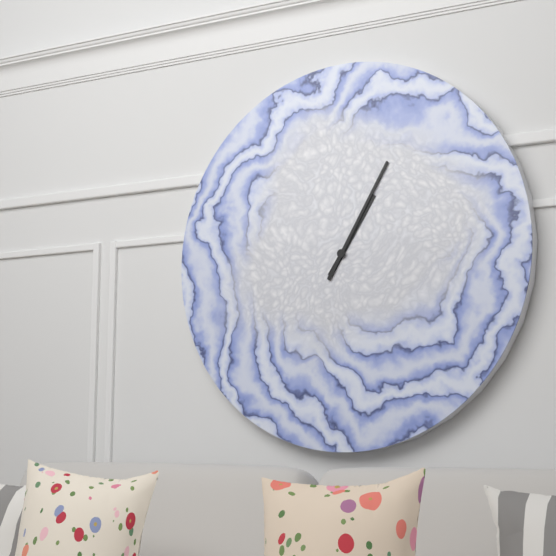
1:05
